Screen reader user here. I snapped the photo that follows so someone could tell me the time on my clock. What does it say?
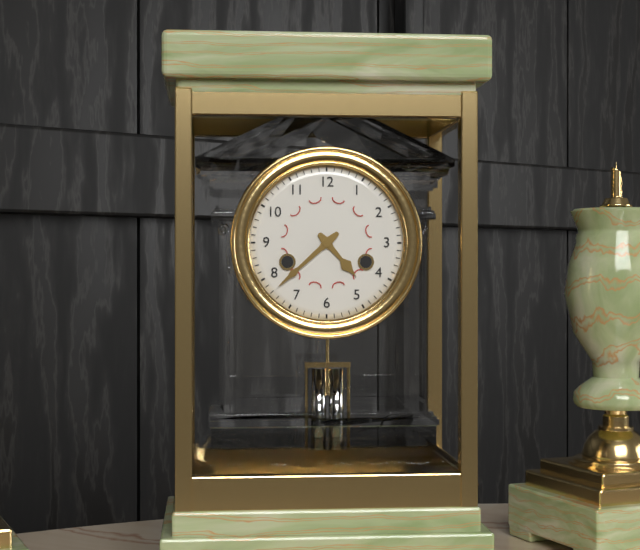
4:38
